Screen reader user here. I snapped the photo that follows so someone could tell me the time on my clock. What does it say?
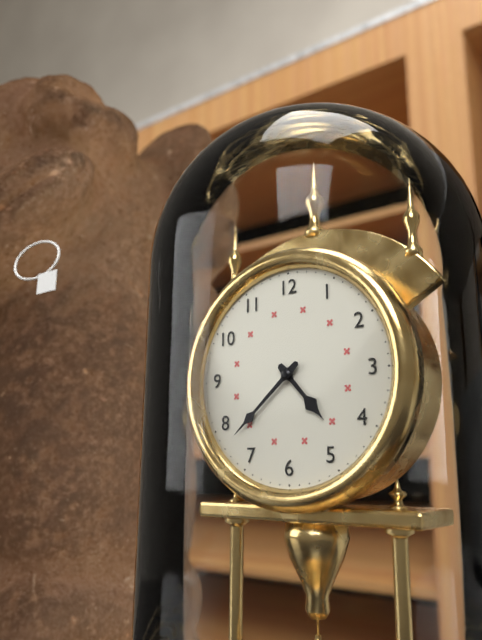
4:38
